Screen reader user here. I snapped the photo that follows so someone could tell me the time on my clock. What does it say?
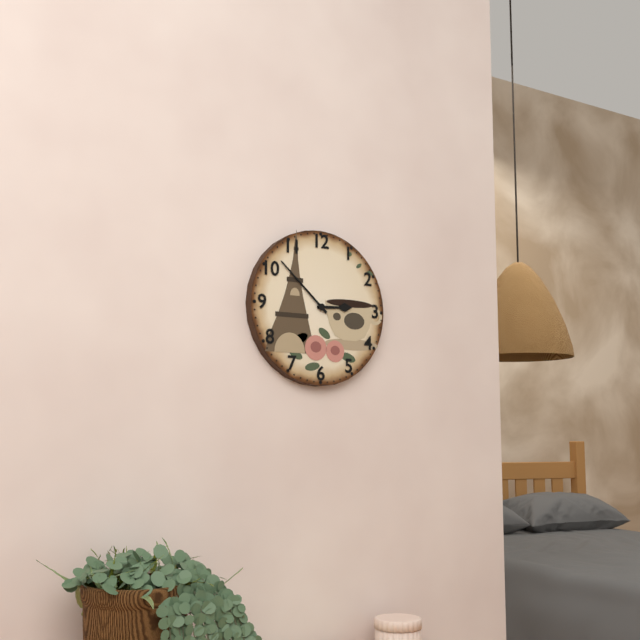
2:52
